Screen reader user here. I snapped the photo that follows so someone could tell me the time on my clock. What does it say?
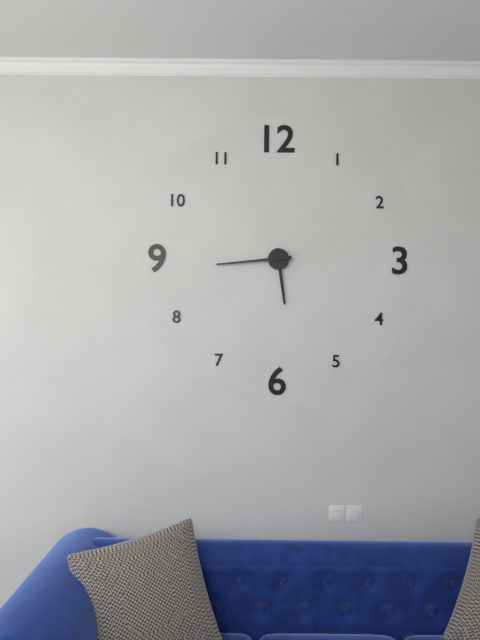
5:44
